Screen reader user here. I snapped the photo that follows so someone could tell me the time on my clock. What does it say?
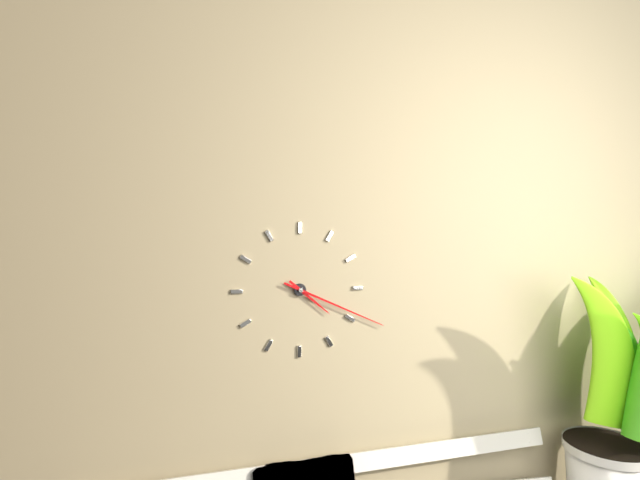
4:19
